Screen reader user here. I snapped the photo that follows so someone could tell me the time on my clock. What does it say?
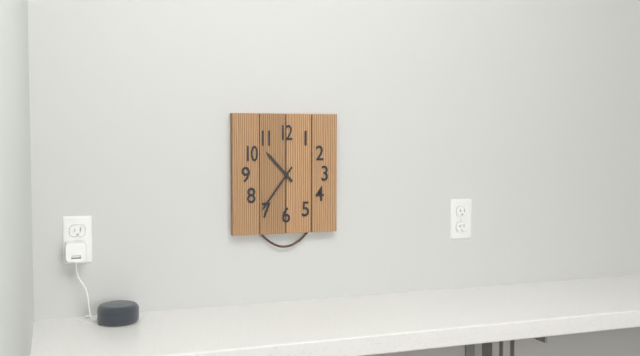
10:36
